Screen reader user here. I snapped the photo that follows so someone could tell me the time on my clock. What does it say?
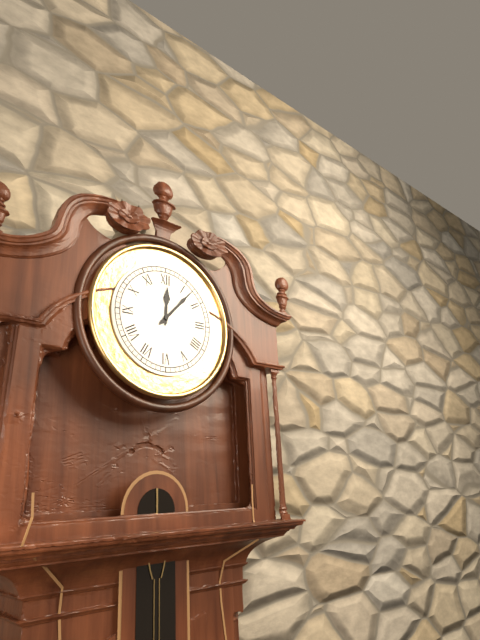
12:07
